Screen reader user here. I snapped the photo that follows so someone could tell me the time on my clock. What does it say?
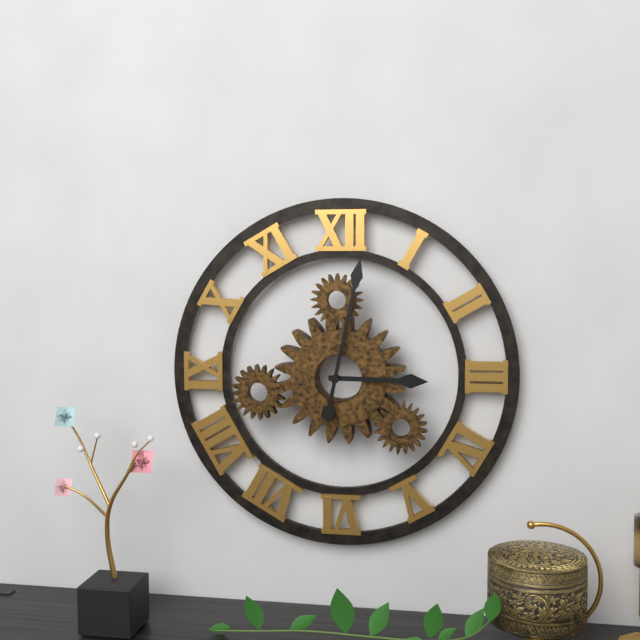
3:02
